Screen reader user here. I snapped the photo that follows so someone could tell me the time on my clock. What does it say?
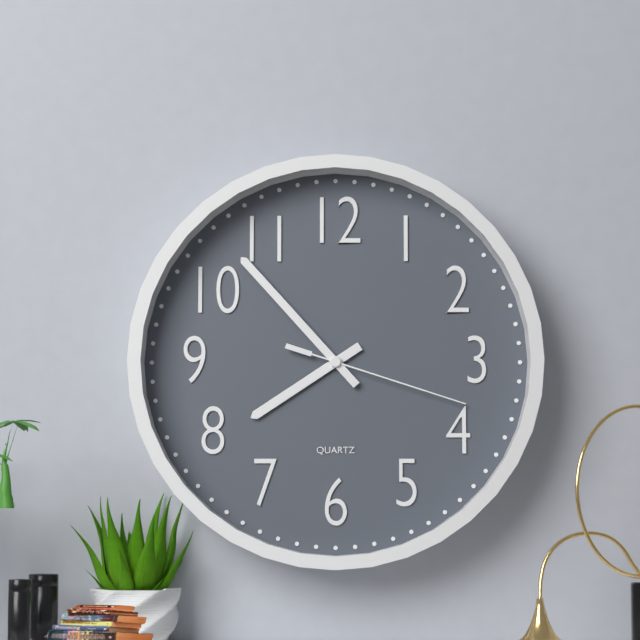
7:53:18
